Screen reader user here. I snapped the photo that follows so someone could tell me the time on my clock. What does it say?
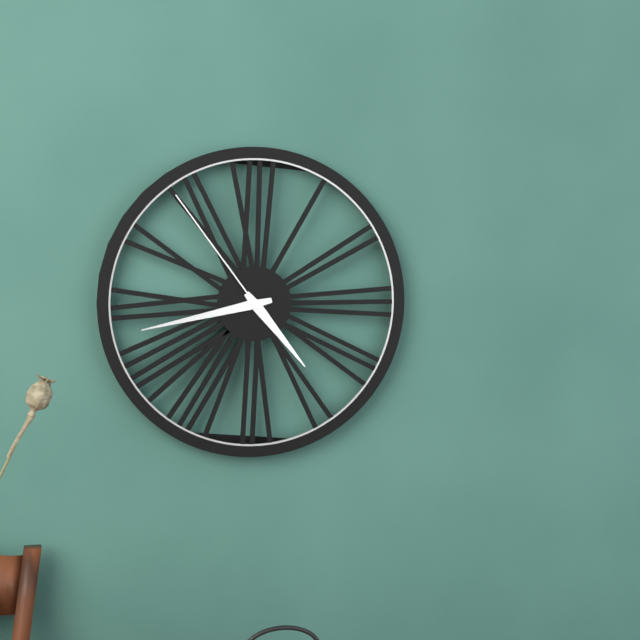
4:43:54
